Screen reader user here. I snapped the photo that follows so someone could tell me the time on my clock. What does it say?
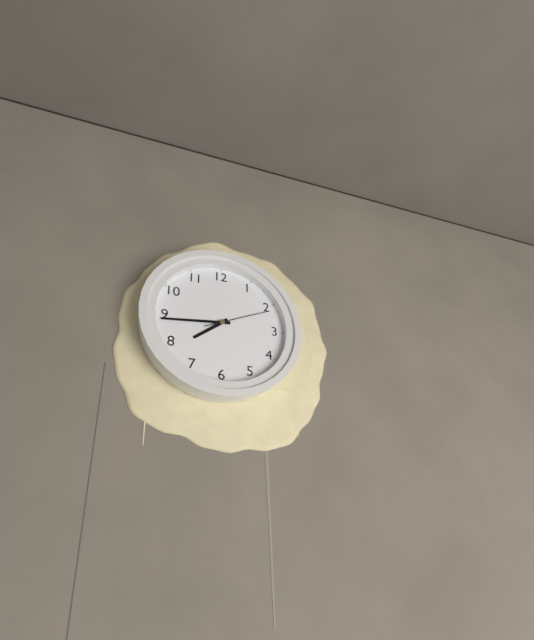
7:44:11
